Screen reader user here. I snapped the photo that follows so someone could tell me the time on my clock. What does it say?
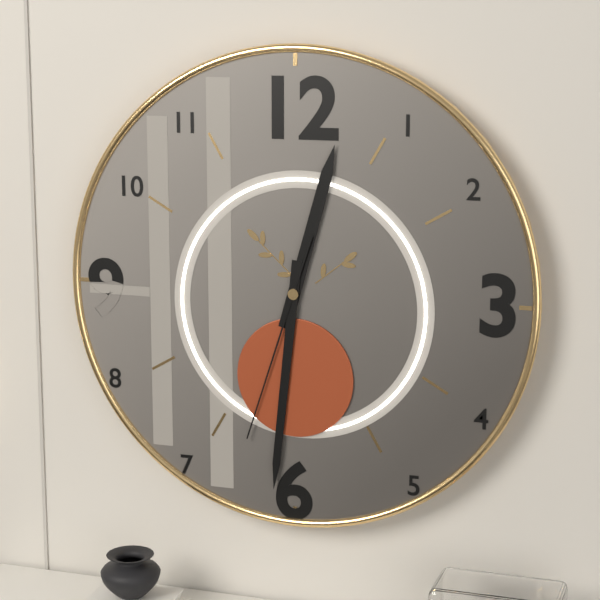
12:31:33
